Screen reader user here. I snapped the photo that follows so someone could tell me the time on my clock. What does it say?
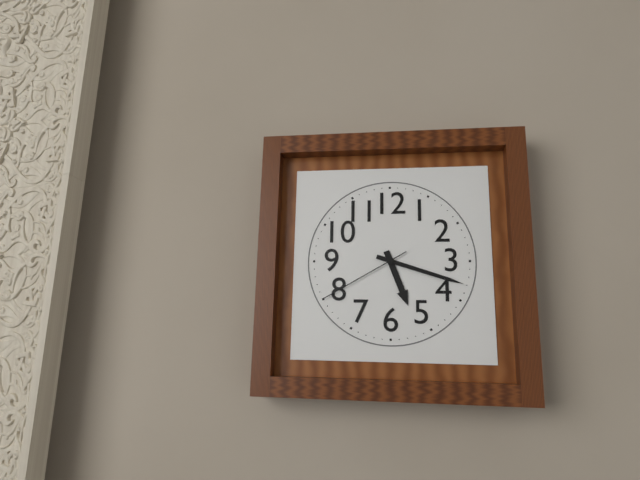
5:18:40
